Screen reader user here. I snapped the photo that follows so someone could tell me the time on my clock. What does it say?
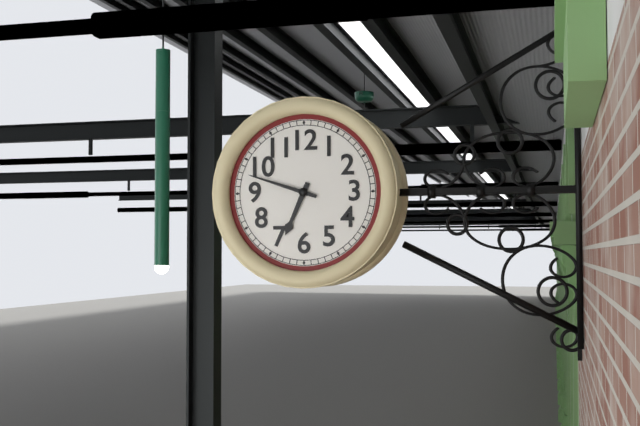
6:48
